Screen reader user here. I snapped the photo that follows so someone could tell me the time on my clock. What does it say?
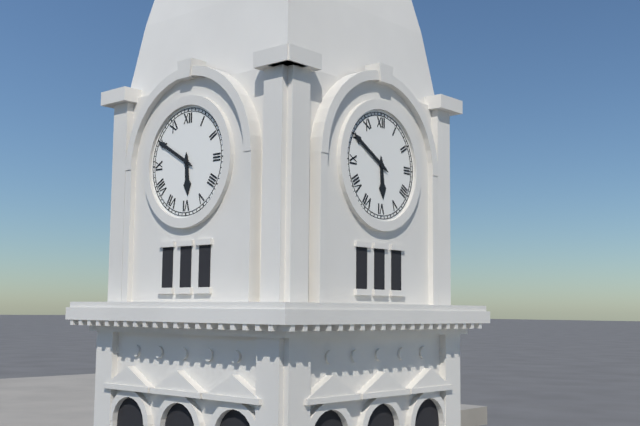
5:50
